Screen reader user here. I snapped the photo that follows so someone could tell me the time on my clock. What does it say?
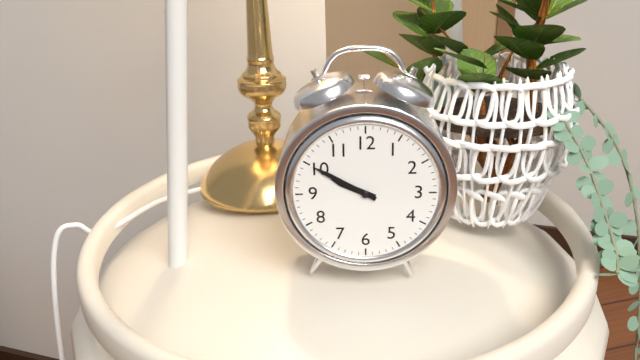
9:50
